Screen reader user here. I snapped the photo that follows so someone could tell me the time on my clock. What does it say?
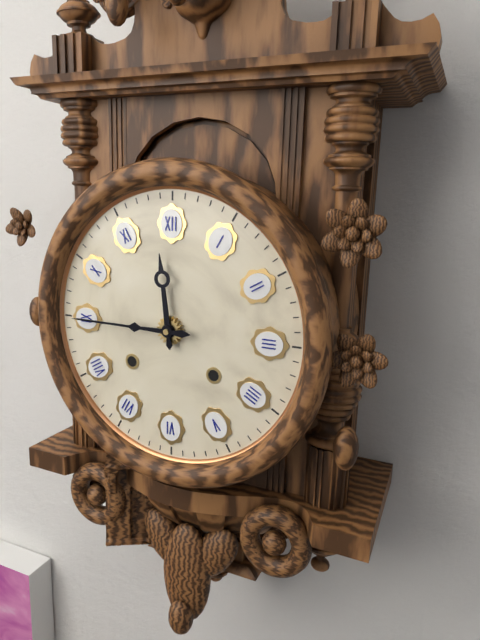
11:45
